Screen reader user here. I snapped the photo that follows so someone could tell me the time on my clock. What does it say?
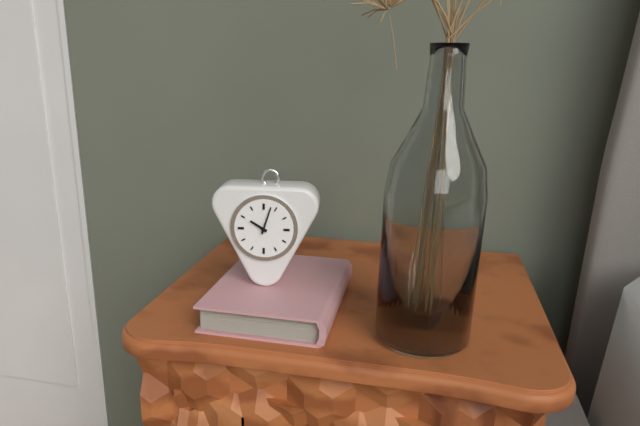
10:03
